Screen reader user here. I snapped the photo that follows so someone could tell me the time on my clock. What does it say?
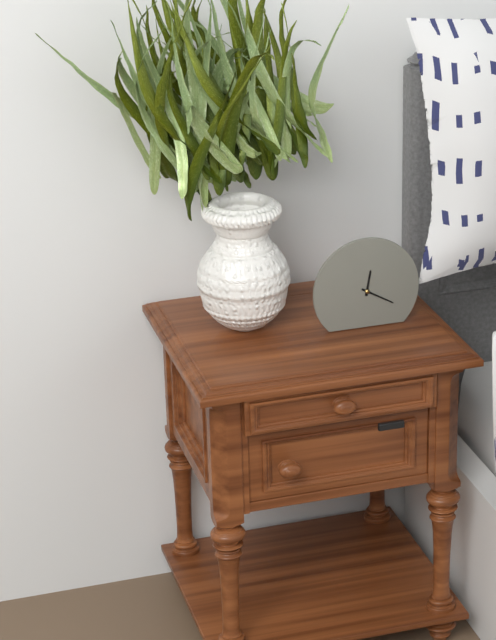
12:20
